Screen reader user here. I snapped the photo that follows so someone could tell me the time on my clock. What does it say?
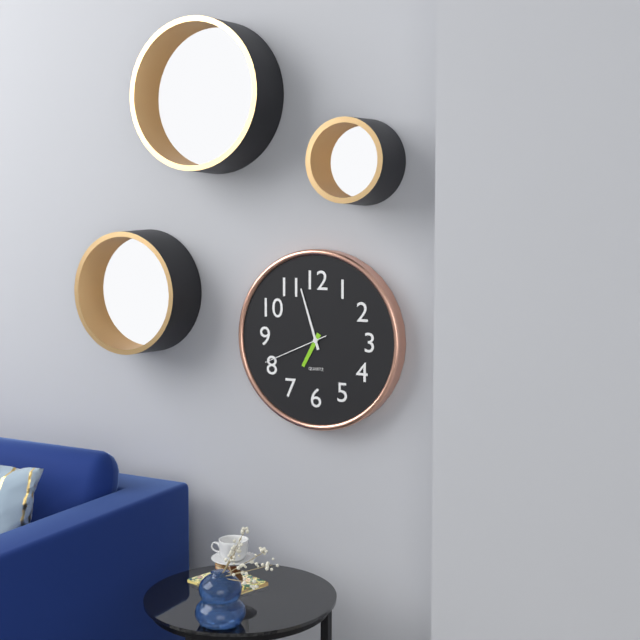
6:57:41
